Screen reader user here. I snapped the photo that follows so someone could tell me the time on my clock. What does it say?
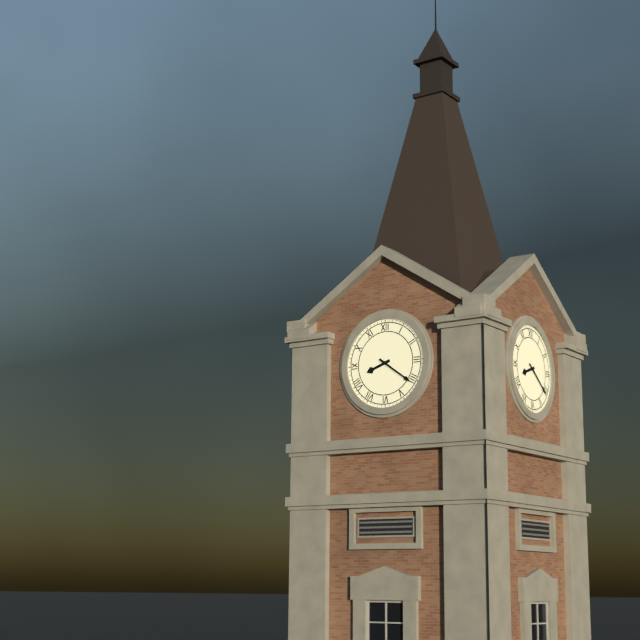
8:21
